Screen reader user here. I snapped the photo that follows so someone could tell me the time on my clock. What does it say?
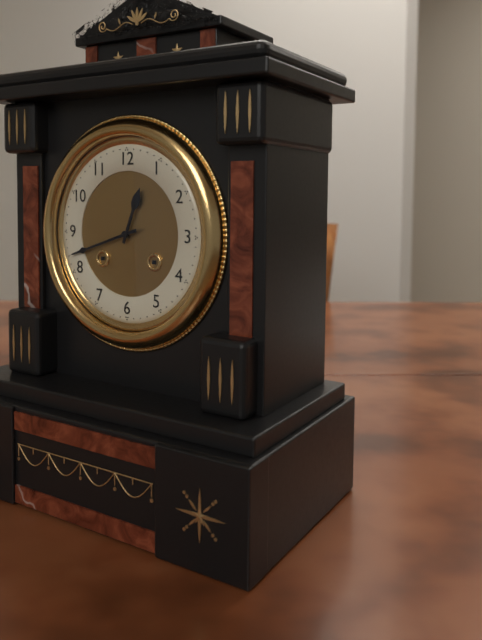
12:42
